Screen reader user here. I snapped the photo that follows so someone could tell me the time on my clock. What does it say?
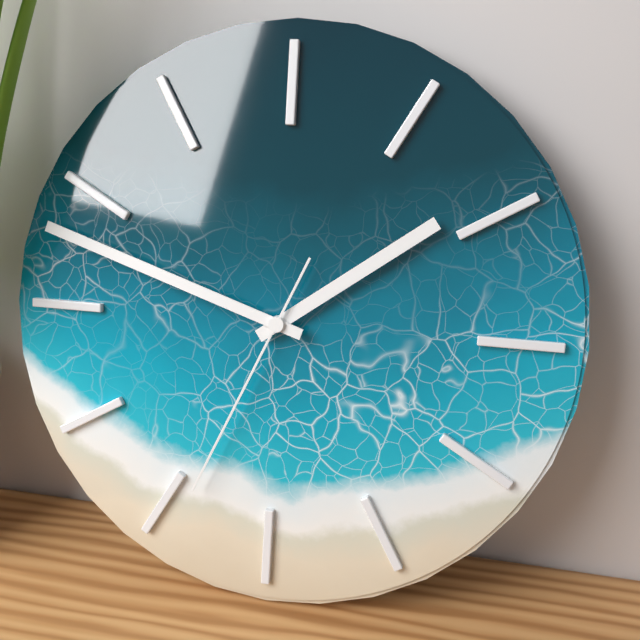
1:48:34
